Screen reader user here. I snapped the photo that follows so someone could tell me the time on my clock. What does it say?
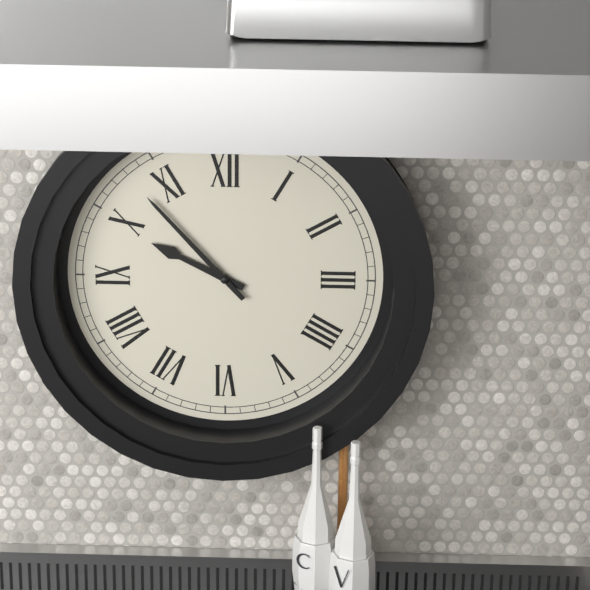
9:53
